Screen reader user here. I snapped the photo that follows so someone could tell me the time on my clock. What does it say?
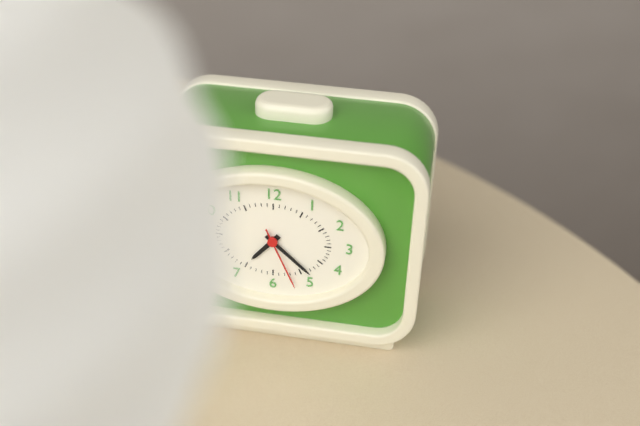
7:22:26
